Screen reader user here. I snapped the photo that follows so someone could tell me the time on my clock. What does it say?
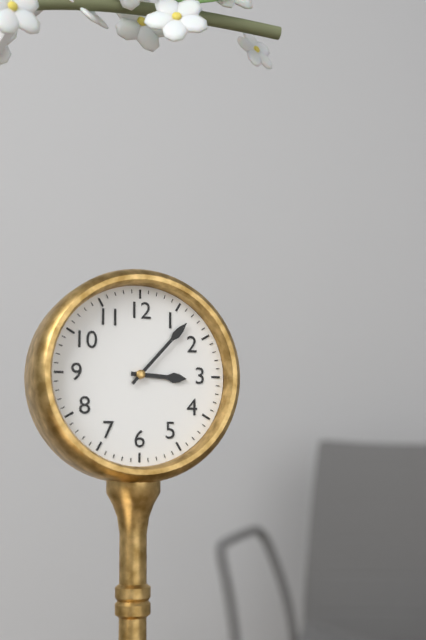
3:07
